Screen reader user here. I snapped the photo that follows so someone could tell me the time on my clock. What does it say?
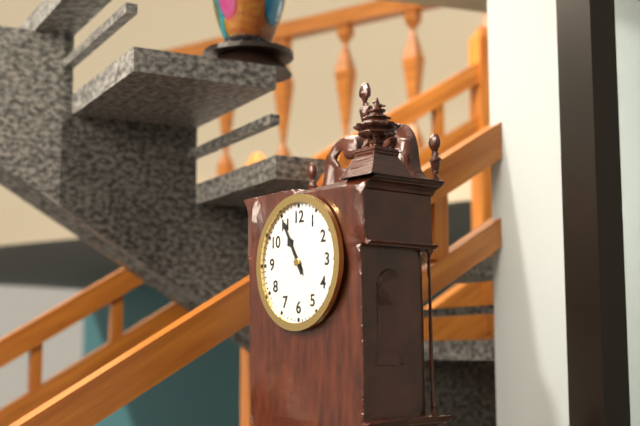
10:55
